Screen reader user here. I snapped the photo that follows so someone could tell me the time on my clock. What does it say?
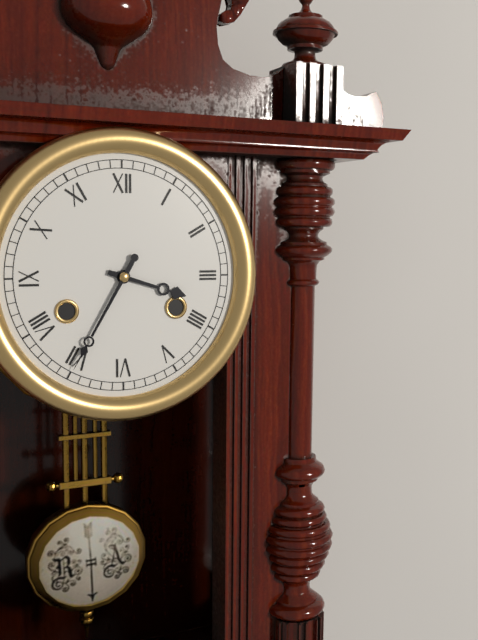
3:35
